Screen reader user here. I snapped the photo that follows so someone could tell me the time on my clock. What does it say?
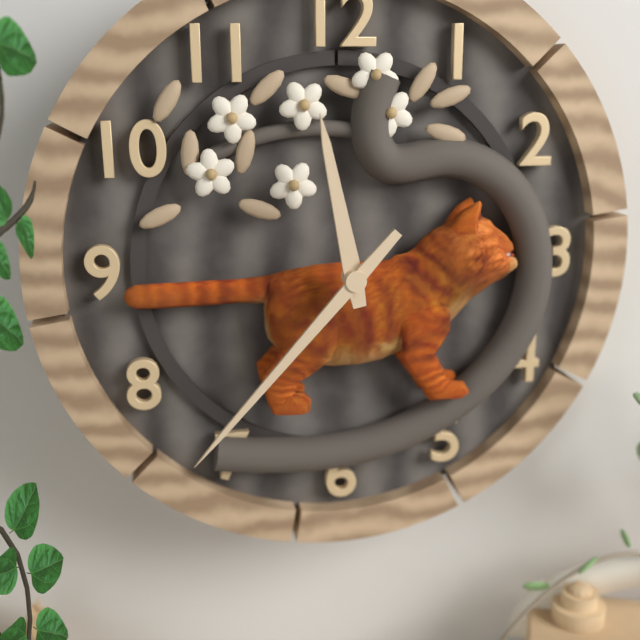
11:37
